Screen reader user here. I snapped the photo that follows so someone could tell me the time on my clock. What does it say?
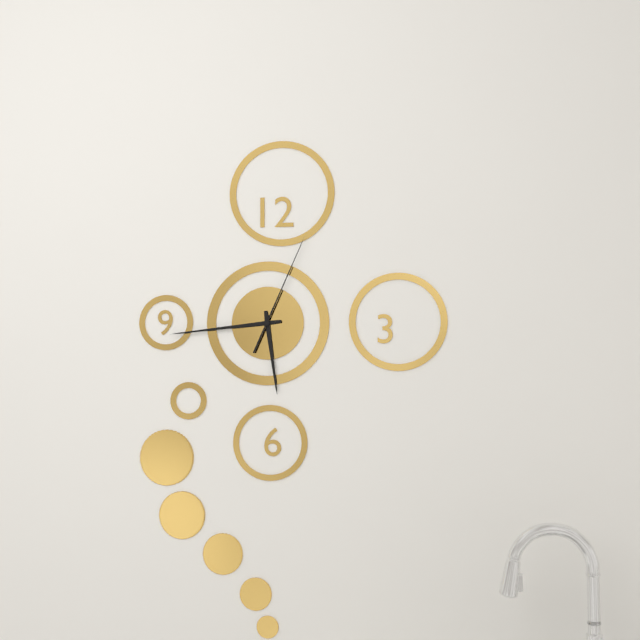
5:44:04
